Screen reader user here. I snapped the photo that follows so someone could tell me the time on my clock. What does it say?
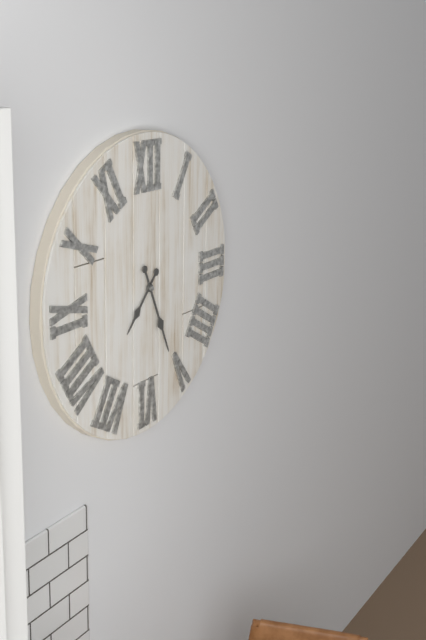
7:26
